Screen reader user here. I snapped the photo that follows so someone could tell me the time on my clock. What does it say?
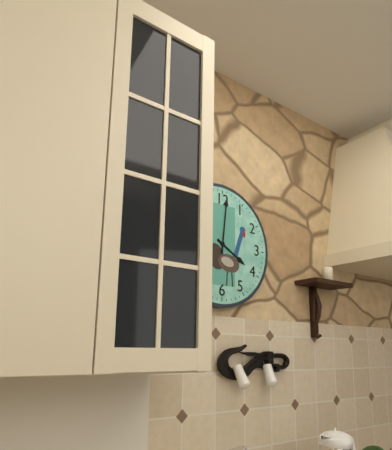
4:01
